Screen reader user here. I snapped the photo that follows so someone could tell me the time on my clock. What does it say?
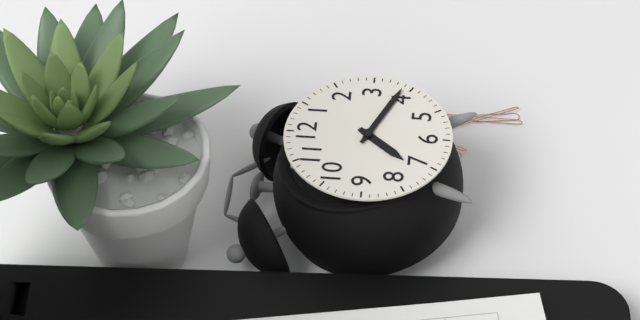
7:19
